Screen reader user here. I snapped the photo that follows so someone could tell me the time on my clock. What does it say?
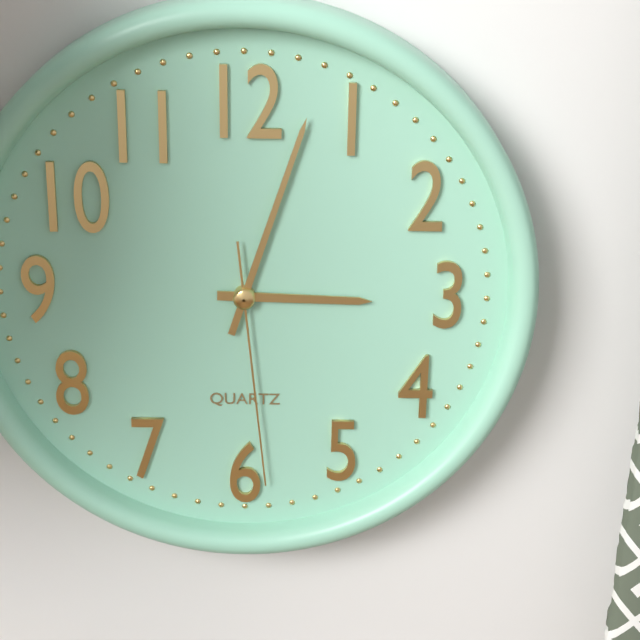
3:03:29
